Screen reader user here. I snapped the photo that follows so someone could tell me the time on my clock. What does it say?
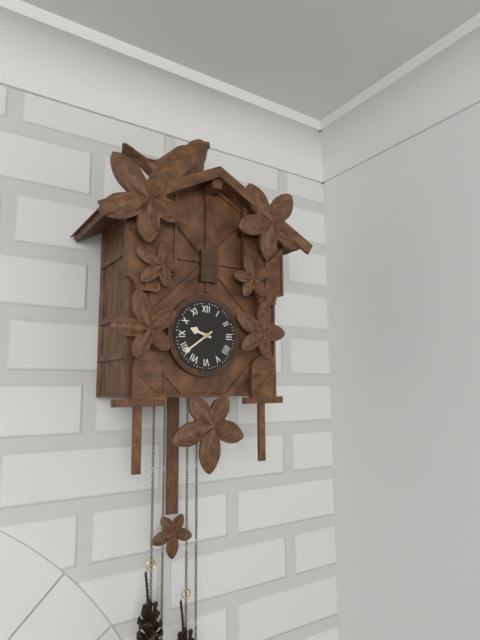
9:39
